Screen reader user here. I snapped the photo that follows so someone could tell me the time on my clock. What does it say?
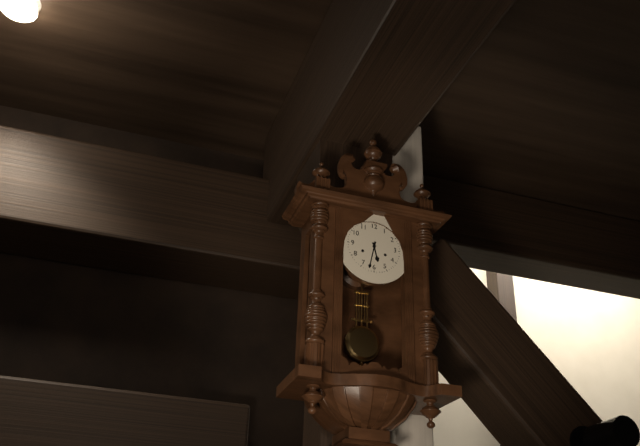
5:32
